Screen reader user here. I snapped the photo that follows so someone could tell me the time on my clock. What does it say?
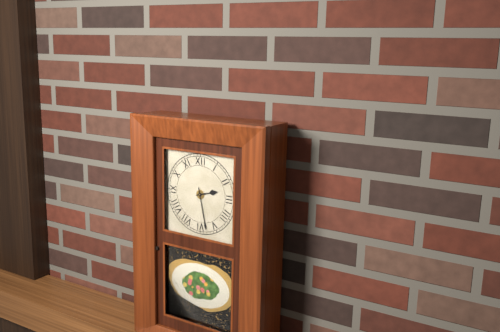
2:28
